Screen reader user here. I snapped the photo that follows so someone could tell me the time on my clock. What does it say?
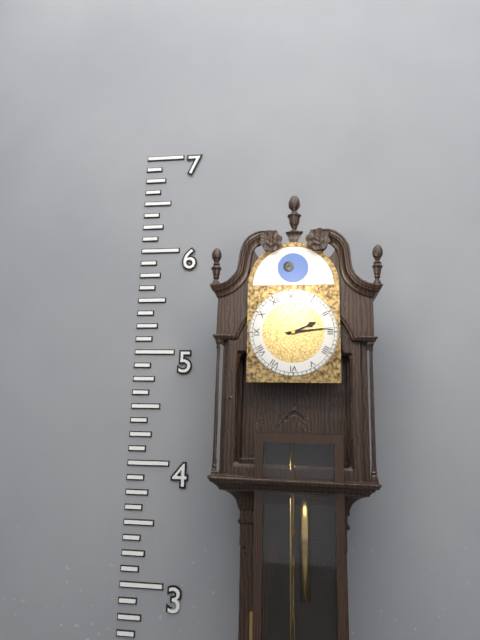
2:14
